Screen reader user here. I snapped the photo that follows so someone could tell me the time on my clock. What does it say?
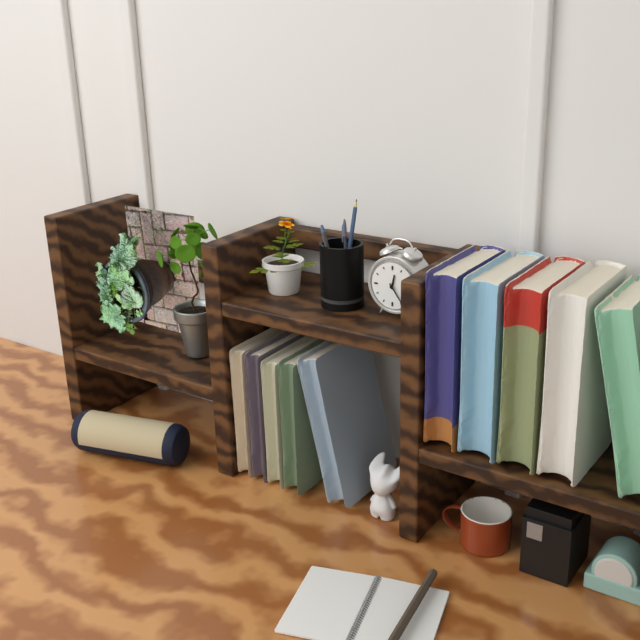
12:24
